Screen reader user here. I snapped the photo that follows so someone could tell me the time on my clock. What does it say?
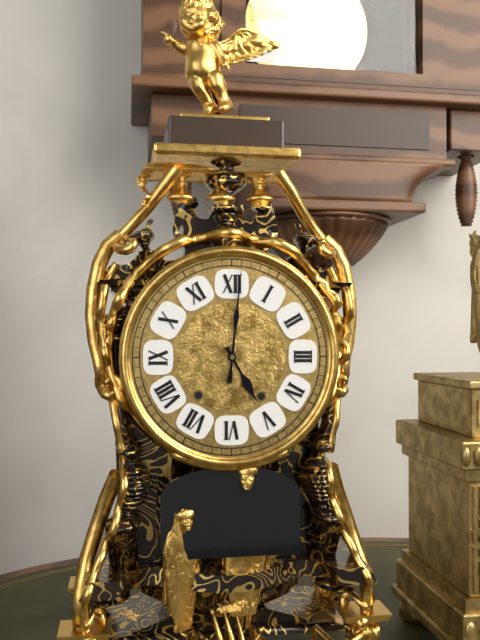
5:01
